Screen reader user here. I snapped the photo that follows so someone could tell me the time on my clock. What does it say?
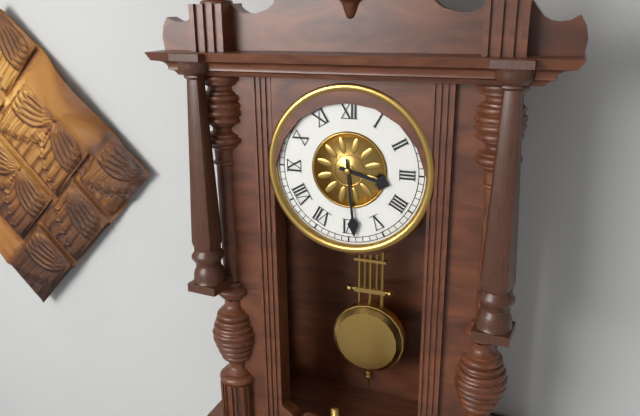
3:29
